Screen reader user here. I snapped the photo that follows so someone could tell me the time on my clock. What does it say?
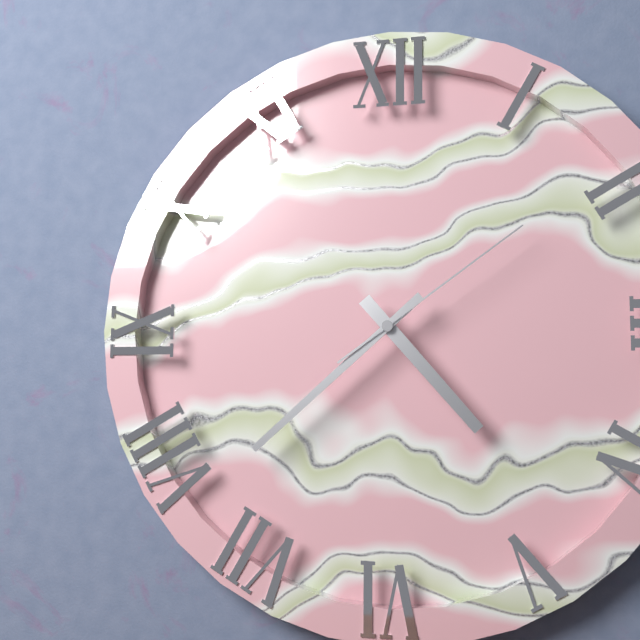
4:38:09
